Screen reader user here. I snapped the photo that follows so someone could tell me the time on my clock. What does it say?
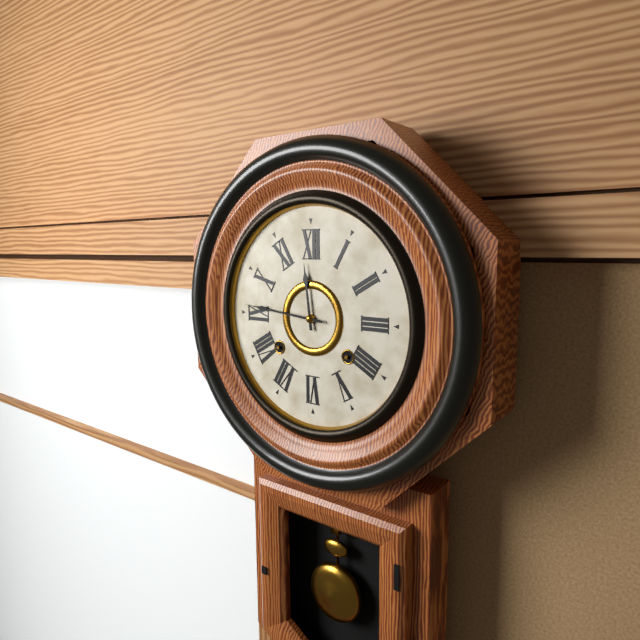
11:46
